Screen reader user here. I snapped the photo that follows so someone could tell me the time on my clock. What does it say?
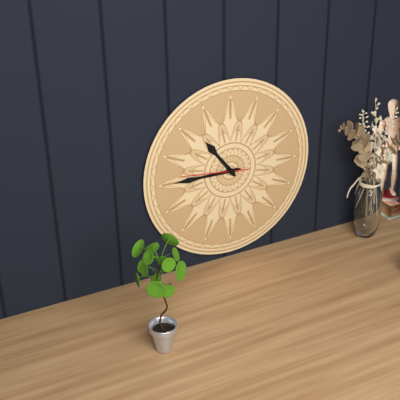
10:45:46
